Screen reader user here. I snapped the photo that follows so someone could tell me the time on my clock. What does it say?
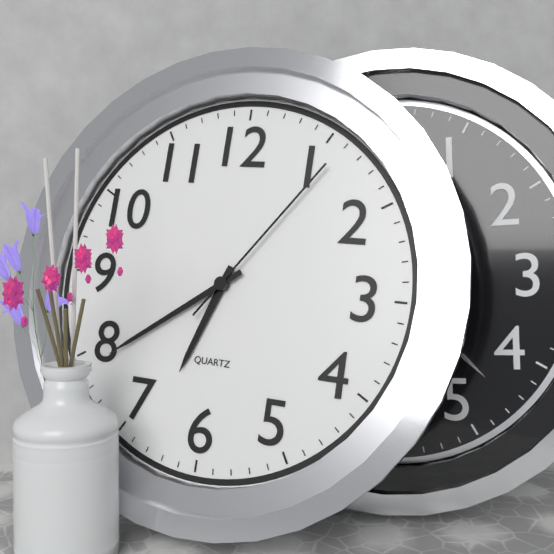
6:39:06
